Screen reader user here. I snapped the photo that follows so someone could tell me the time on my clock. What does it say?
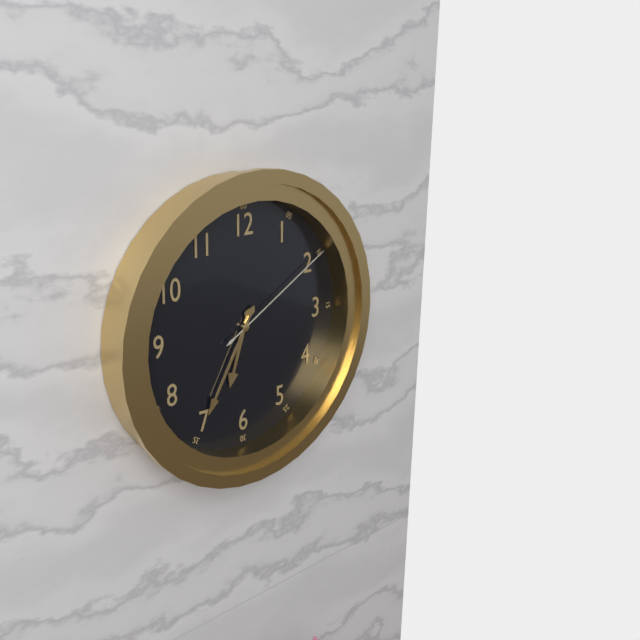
6:35:10
